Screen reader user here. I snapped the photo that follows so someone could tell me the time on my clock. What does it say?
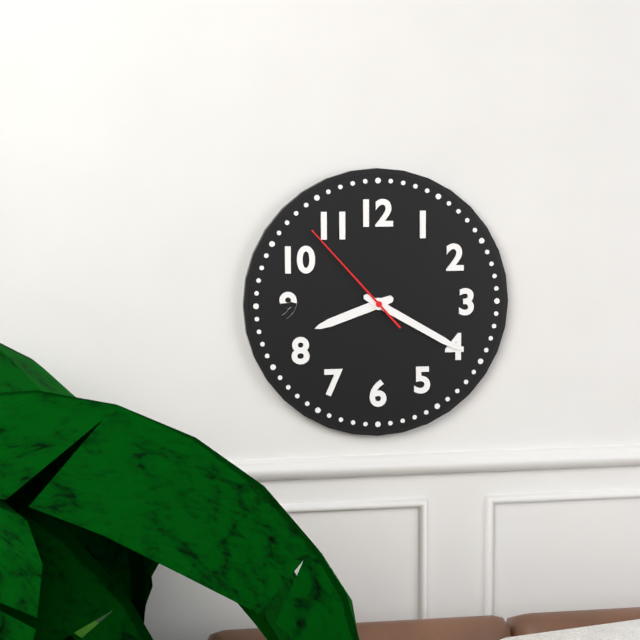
8:20:53
